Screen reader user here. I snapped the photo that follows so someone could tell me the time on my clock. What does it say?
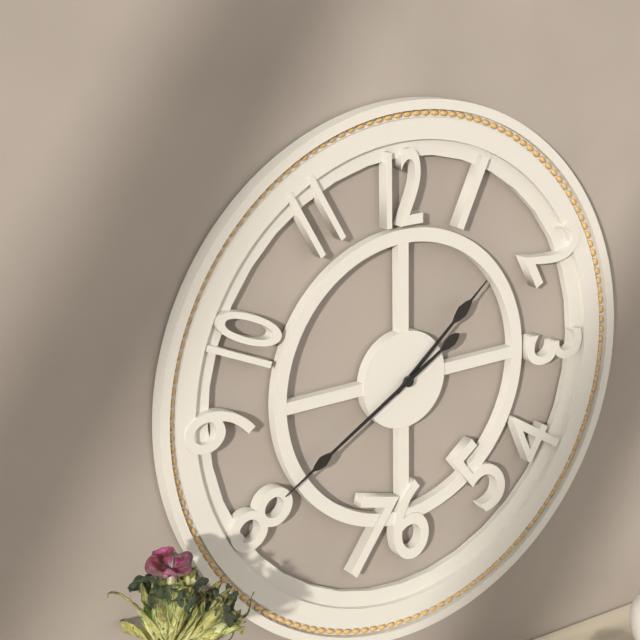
1:40
